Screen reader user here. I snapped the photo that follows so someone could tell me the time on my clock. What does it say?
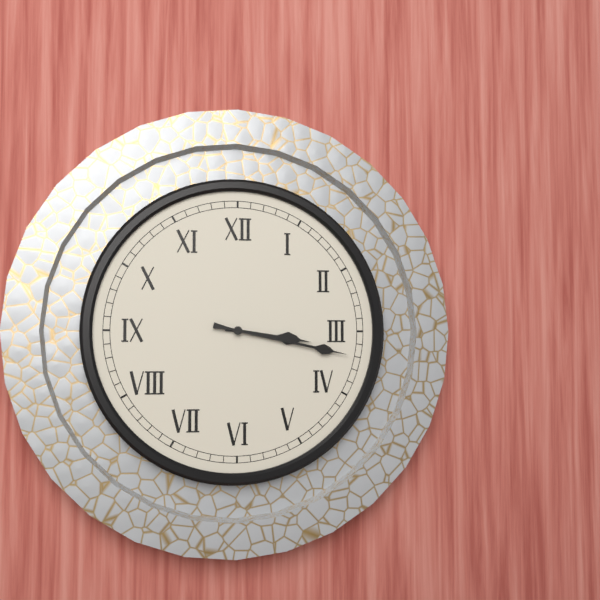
3:17
